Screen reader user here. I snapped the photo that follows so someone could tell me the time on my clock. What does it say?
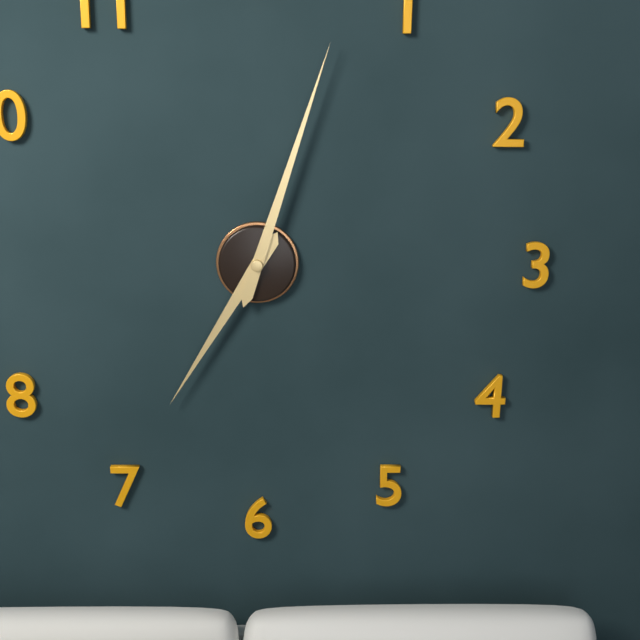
7:03
